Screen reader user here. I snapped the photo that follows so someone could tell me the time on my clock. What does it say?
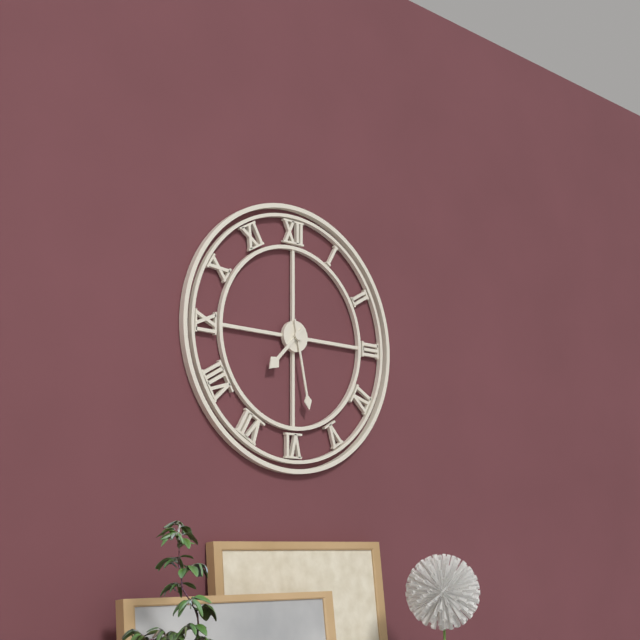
7:28
